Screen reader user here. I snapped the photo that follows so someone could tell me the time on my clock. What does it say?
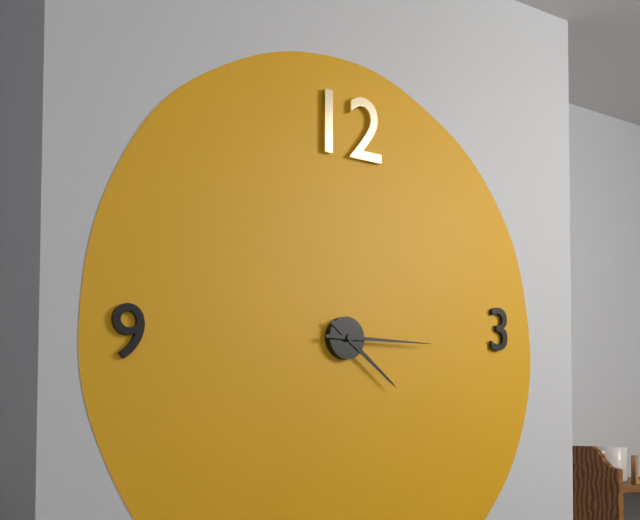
4:15
